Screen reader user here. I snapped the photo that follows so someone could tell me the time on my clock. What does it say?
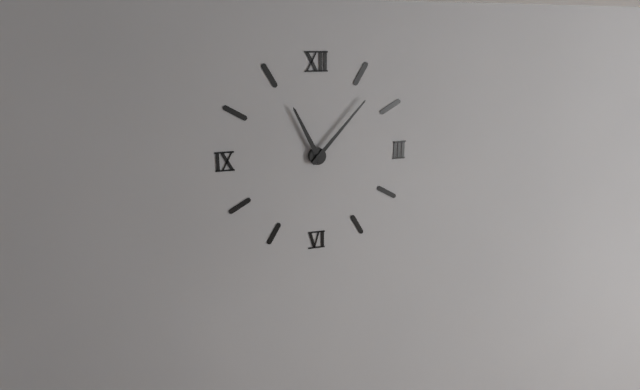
11:07
